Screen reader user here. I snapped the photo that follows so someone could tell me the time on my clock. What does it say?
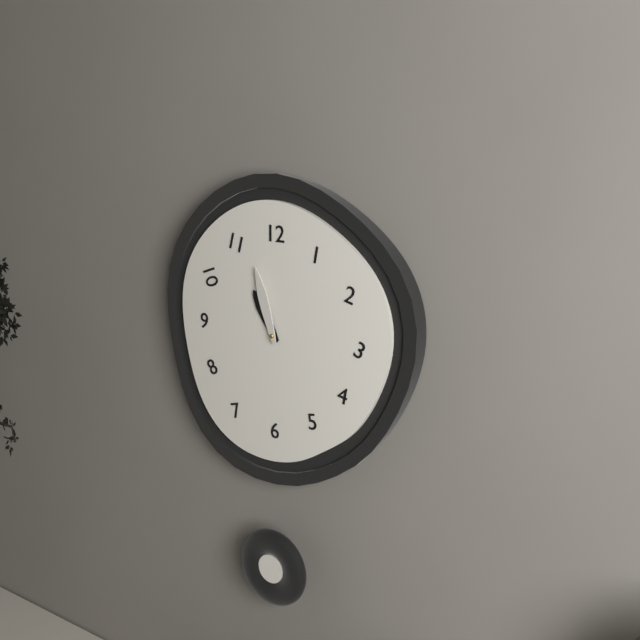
10:57
